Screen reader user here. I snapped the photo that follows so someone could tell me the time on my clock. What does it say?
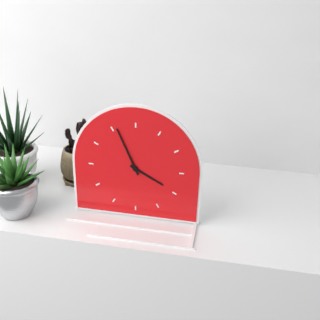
3:56
